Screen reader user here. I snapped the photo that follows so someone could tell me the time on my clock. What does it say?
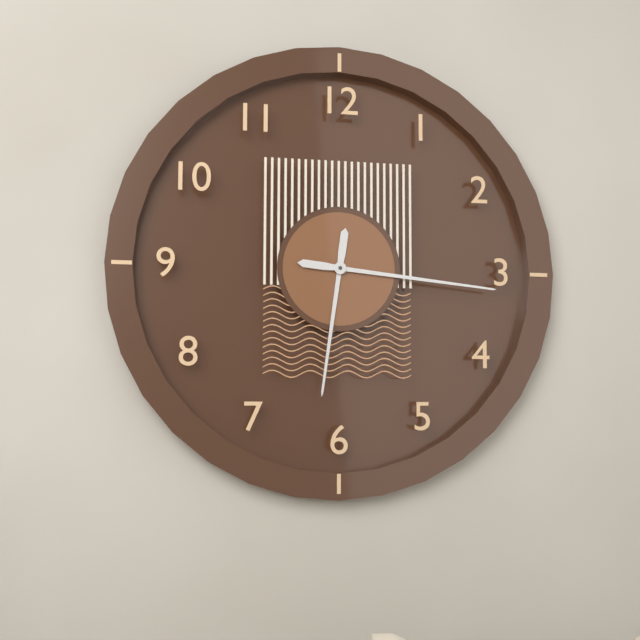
6:16
